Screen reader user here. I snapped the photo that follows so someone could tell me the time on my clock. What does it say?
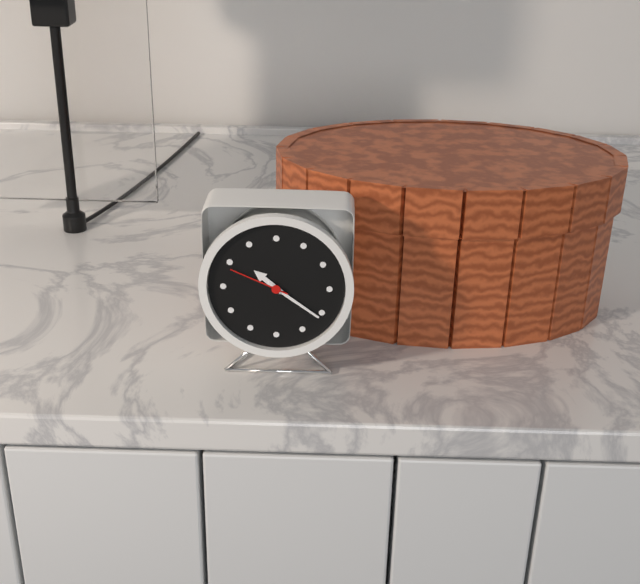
10:21:49
